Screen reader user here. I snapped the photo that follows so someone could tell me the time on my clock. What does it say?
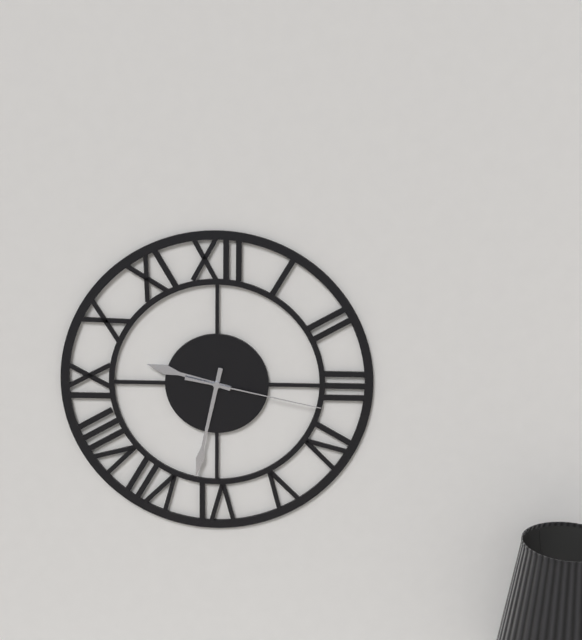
9:32:17
